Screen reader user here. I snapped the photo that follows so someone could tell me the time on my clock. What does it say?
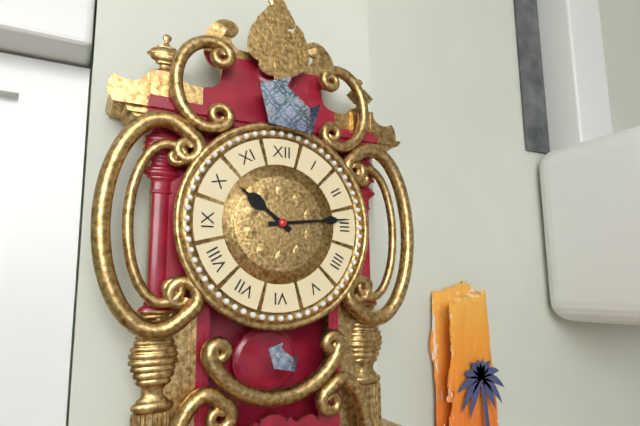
10:14
